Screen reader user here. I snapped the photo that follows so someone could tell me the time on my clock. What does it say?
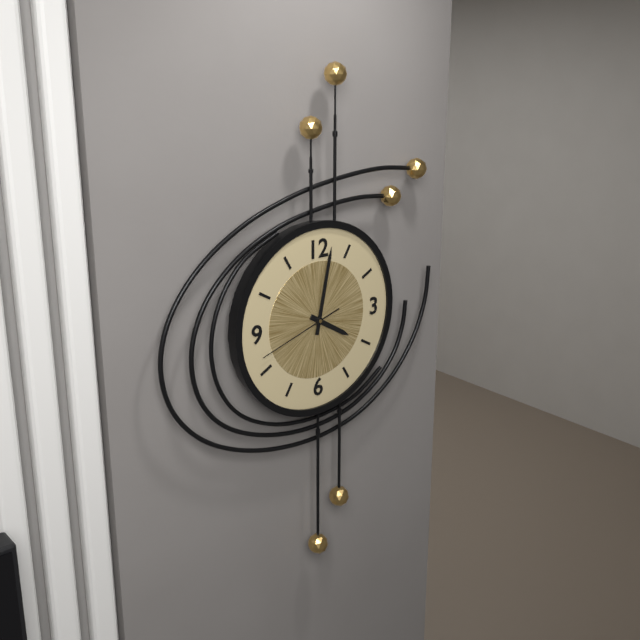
4:02:42
